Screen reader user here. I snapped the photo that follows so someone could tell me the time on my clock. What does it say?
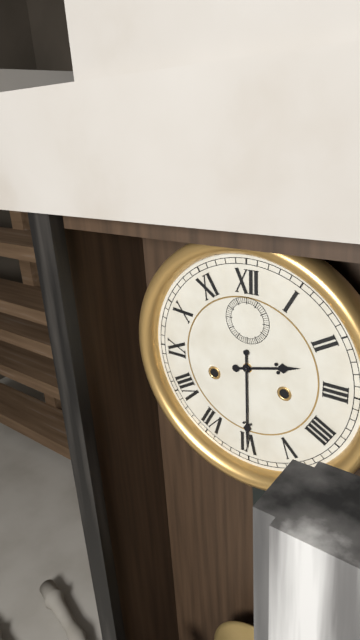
2:30
